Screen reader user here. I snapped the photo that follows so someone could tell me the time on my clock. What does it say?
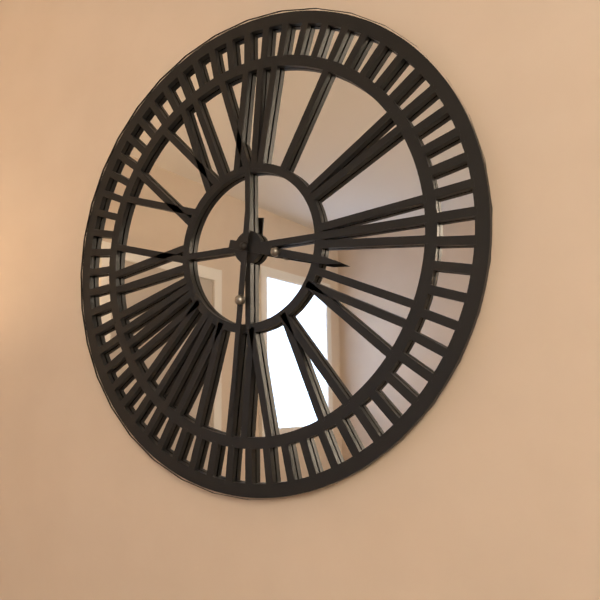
3:31
